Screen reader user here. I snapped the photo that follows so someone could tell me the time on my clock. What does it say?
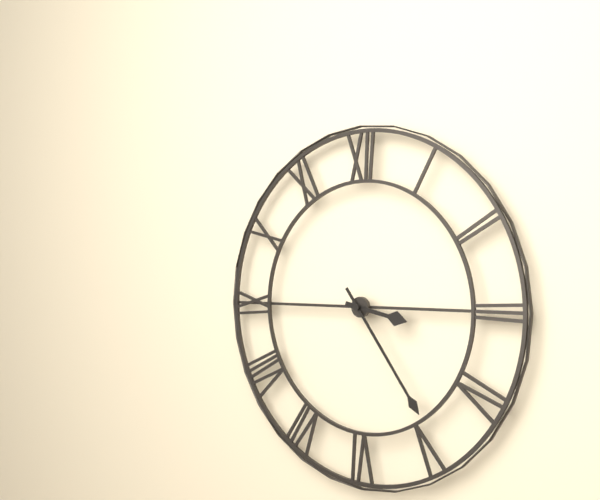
3:24
